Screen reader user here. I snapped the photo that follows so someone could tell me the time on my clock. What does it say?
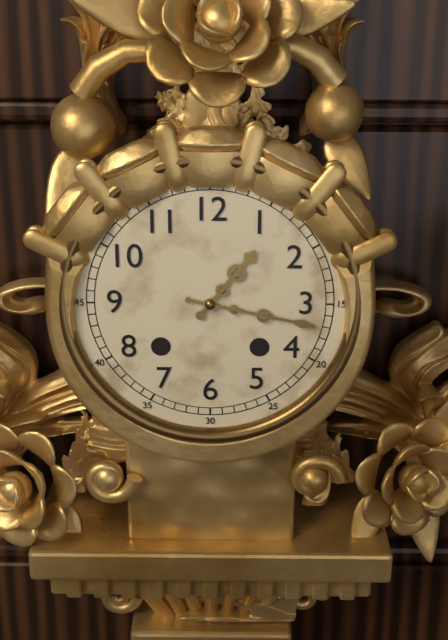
1:17
